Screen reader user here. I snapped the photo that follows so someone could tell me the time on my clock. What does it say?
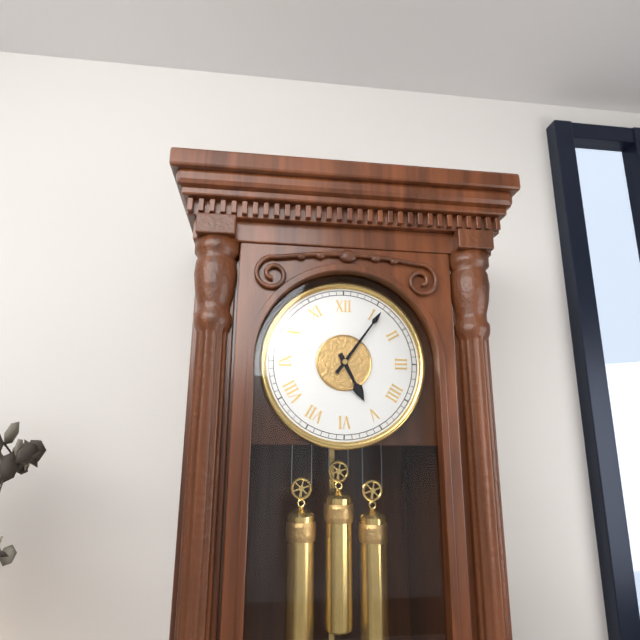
5:06
